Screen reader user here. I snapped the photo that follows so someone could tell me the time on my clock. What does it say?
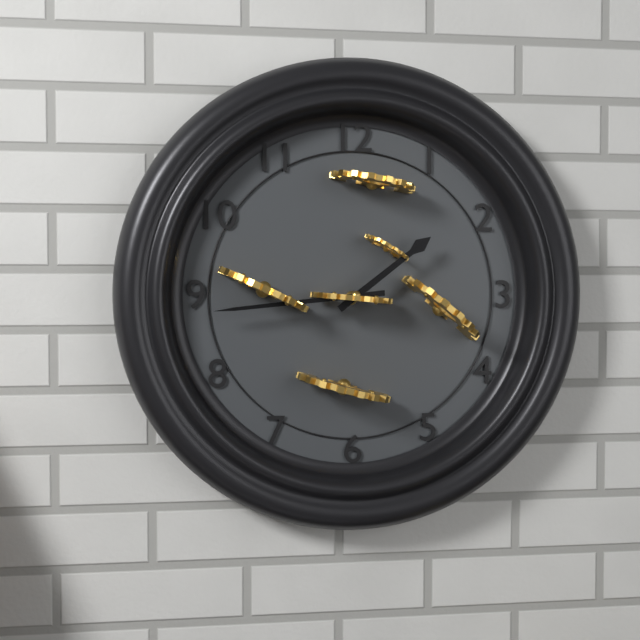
1:44
